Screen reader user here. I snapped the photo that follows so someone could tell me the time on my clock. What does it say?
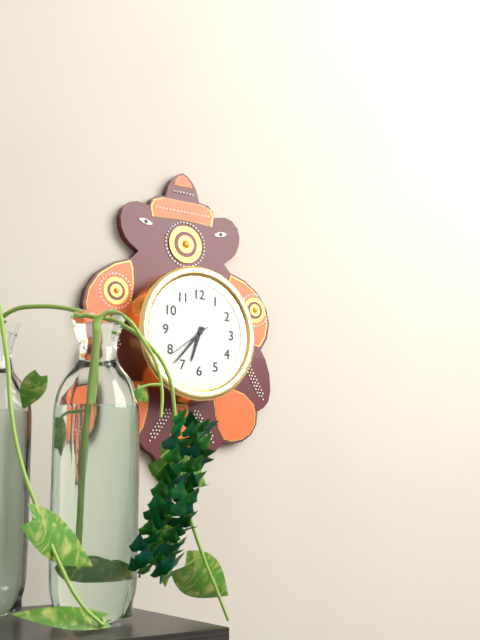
6:37
